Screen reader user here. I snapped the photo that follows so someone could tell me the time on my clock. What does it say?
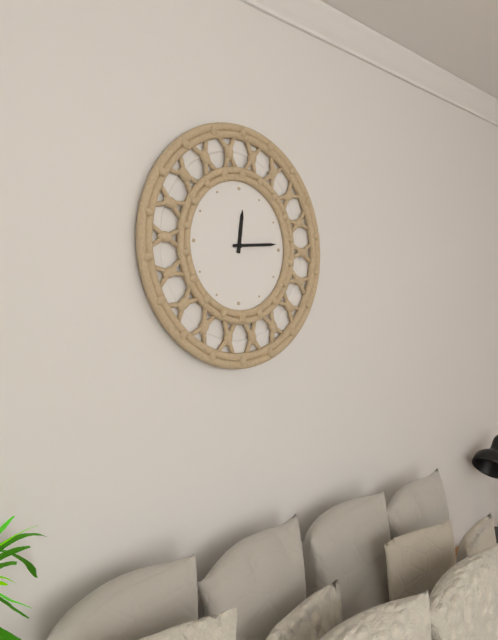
12:14
